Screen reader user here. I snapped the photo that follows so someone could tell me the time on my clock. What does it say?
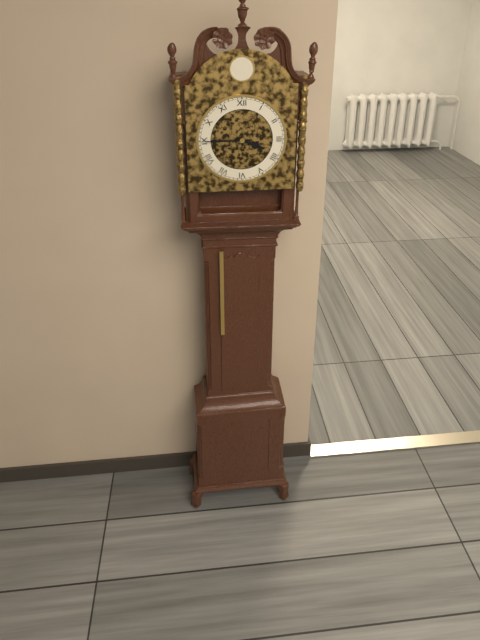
3:45
